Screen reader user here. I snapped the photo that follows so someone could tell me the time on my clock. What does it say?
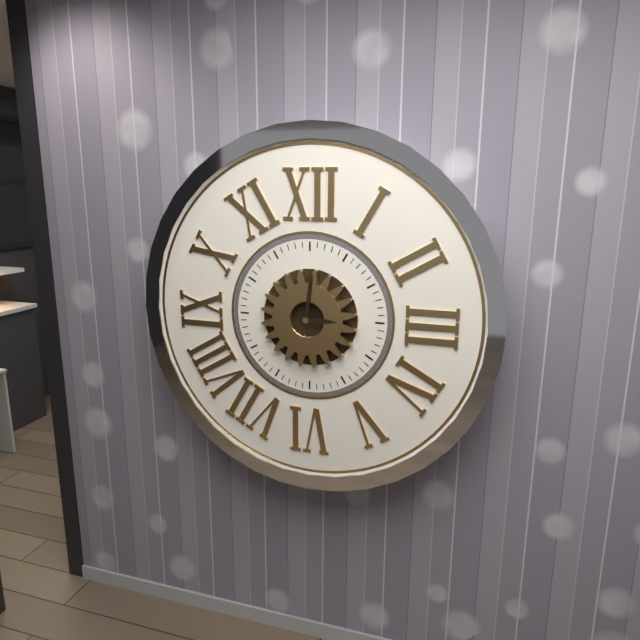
3:01
